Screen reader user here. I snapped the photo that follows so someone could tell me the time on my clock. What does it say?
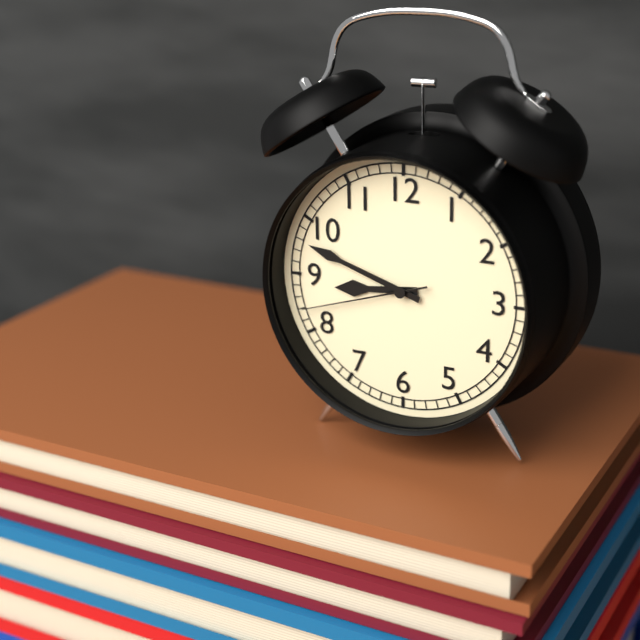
8:48:42
